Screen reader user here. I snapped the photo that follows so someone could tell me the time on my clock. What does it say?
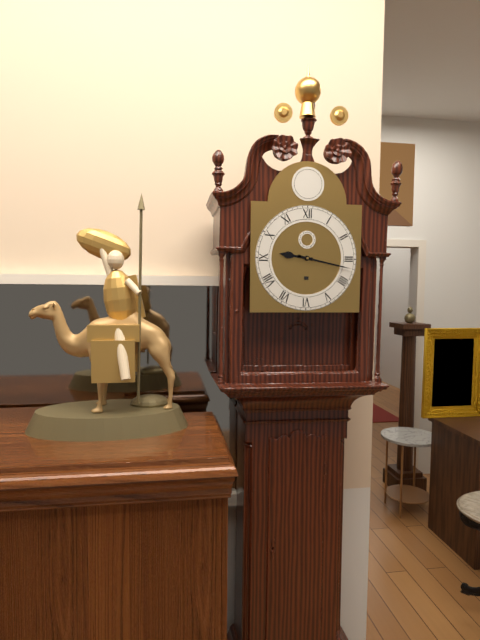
9:17
